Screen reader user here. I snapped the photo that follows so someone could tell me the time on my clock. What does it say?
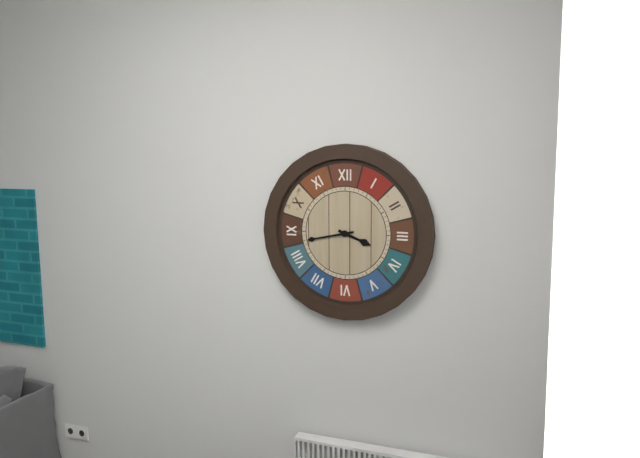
3:43
